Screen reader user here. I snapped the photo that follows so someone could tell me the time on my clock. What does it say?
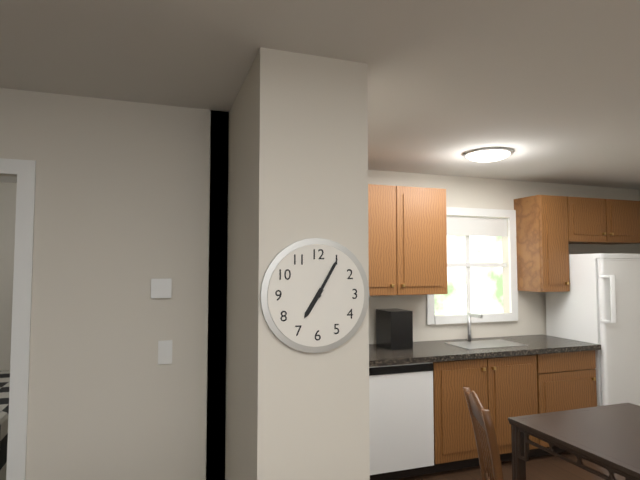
7:05
